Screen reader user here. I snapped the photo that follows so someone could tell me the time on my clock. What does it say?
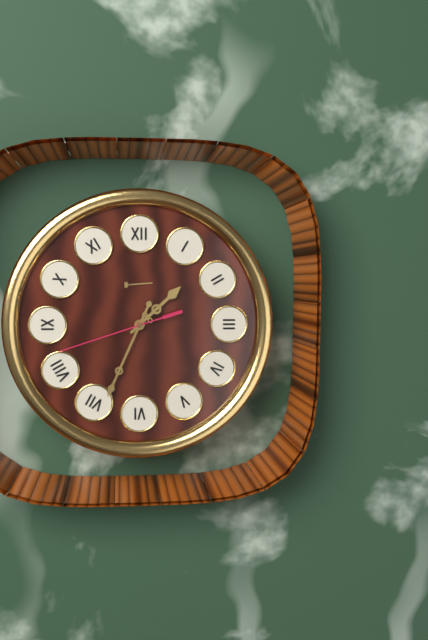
1:34:42
